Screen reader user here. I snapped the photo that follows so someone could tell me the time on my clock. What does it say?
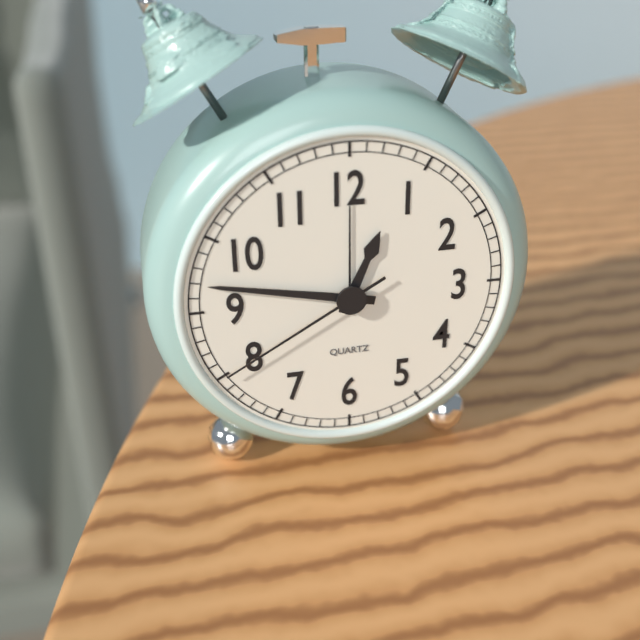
12:47:40
